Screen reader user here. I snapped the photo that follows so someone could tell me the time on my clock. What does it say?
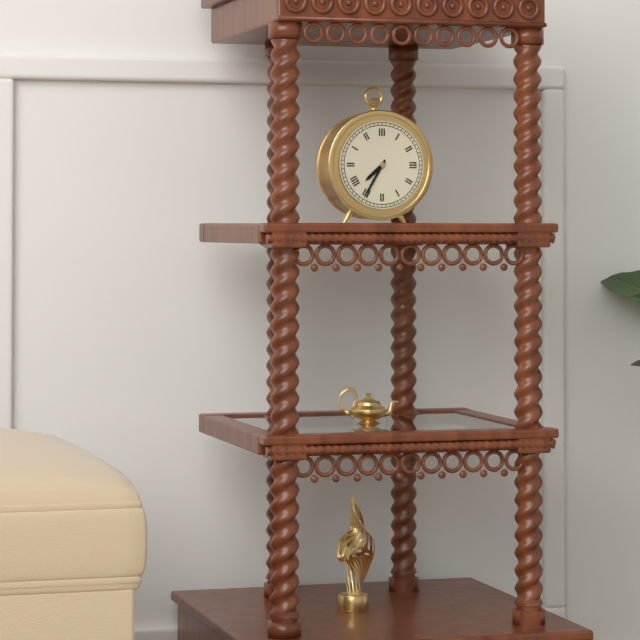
7:35
